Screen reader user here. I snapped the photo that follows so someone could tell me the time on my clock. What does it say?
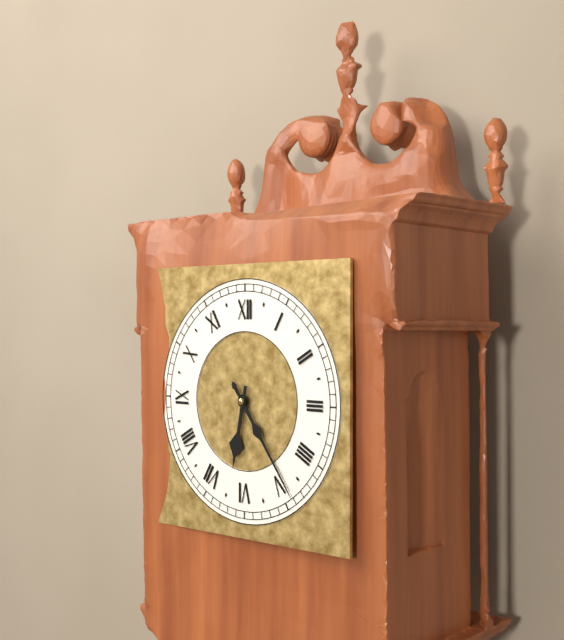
6:24
